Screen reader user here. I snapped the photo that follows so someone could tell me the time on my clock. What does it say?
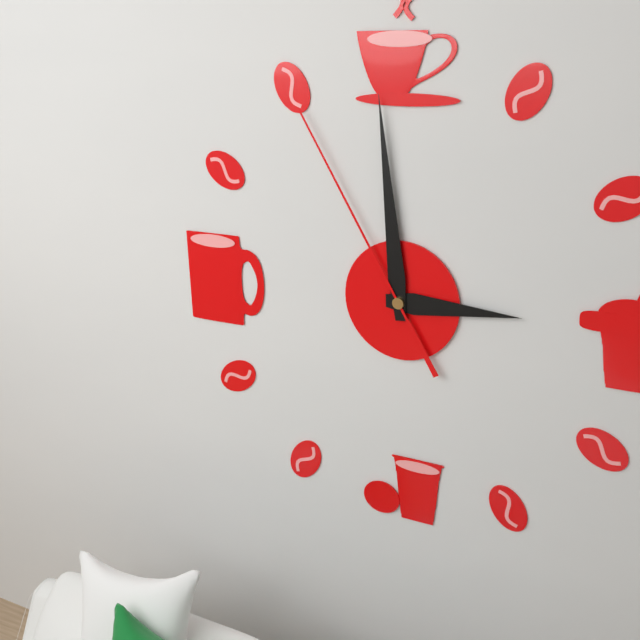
2:59:55
